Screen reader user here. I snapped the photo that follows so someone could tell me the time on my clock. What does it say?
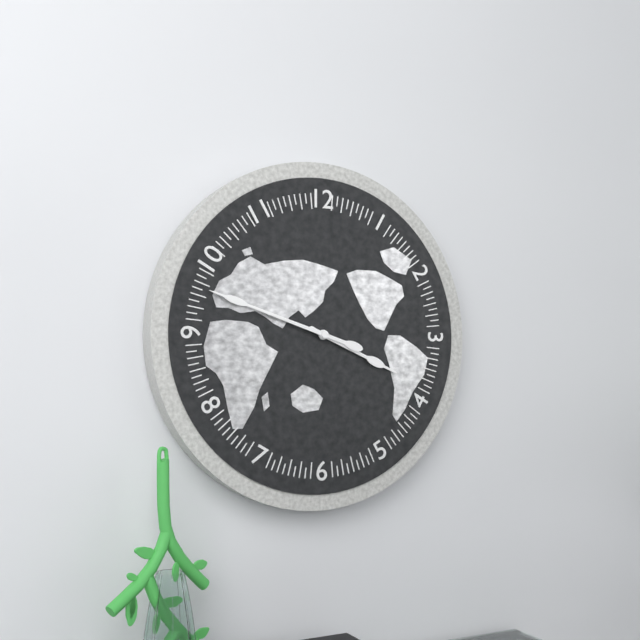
3:48
